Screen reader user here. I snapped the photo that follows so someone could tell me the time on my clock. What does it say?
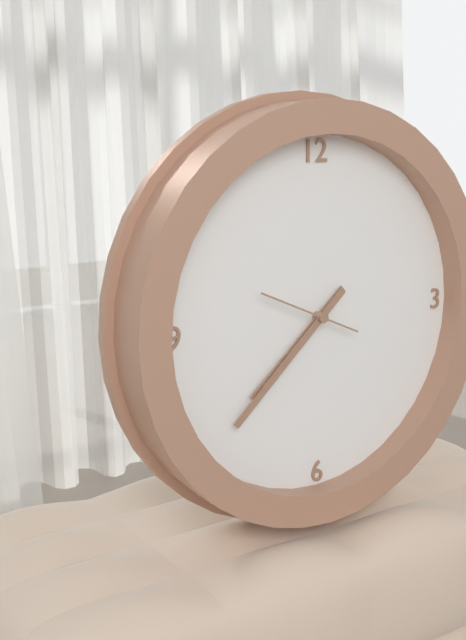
7:38:49
